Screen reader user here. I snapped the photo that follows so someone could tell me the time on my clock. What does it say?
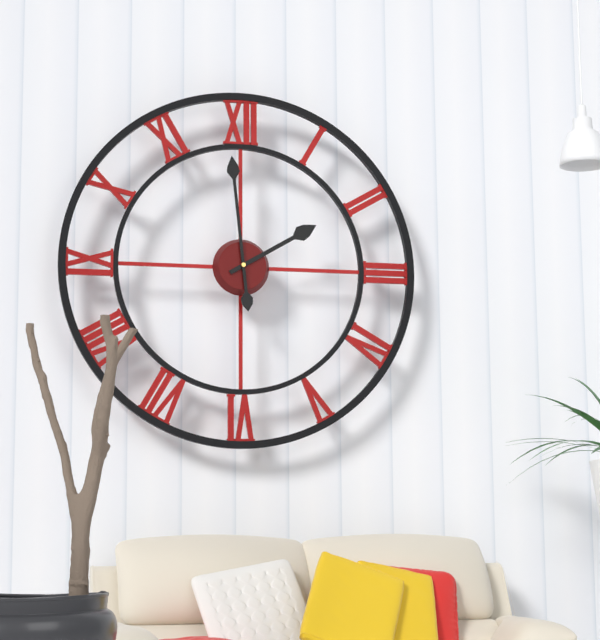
1:59
